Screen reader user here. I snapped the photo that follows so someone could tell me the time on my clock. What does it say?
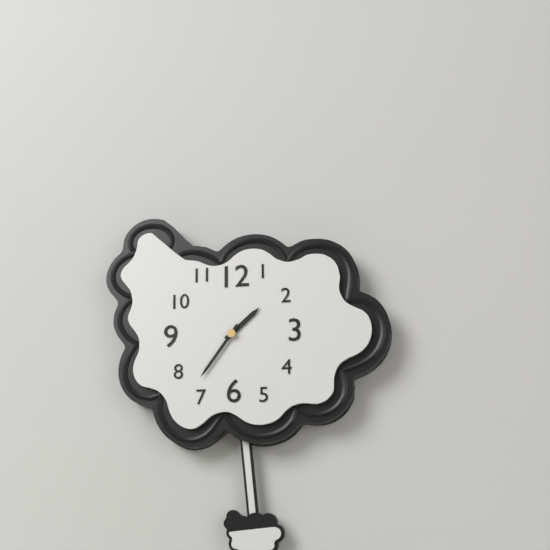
1:36
